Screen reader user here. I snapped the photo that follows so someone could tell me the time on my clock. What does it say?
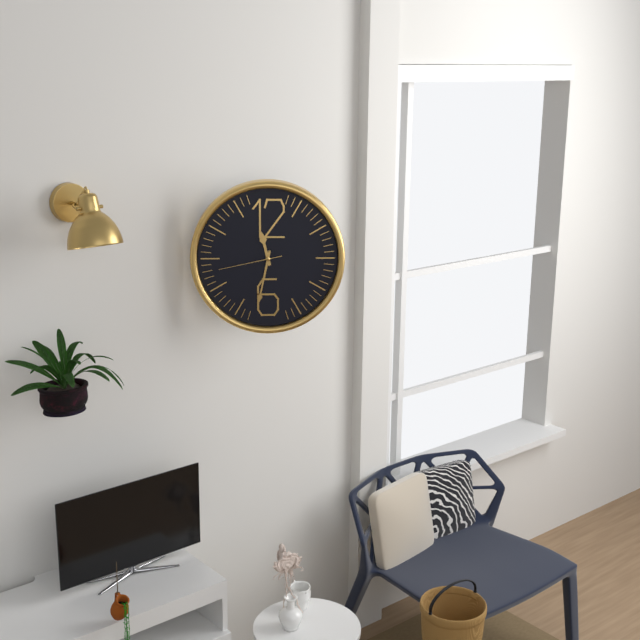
11:32:43
